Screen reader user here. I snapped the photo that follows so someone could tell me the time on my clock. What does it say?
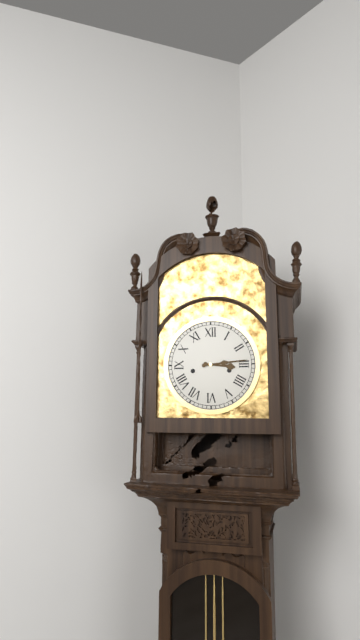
3:14
